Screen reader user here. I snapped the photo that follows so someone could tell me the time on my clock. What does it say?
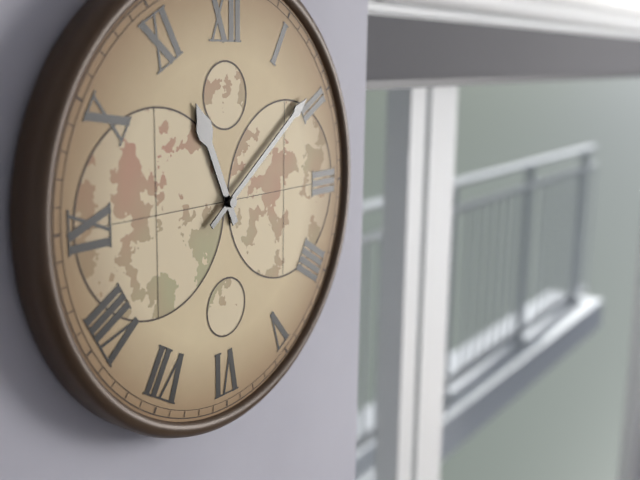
11:09
